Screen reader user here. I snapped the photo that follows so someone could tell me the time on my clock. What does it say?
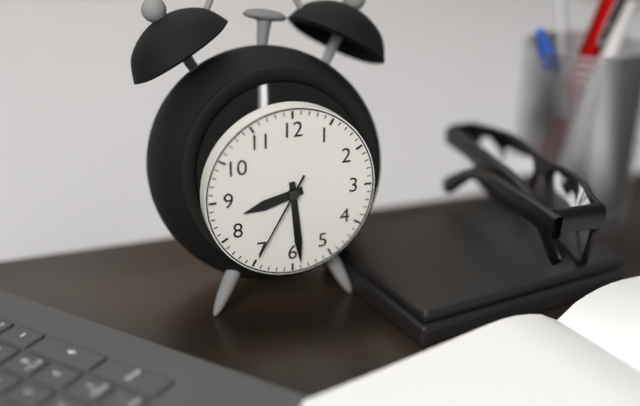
8:29:35
